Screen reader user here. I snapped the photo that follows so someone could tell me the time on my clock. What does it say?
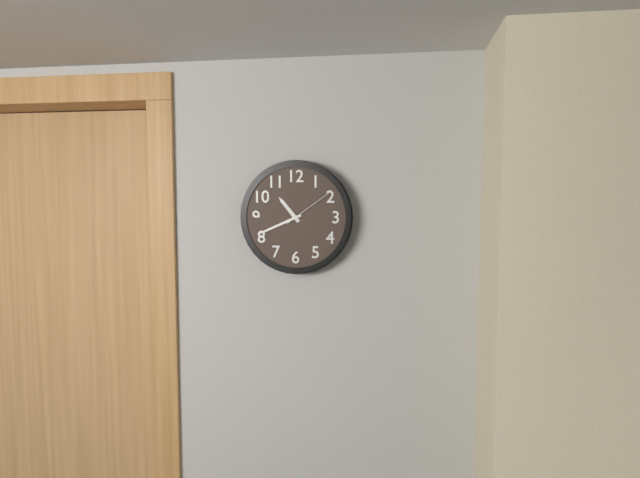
10:41:09
